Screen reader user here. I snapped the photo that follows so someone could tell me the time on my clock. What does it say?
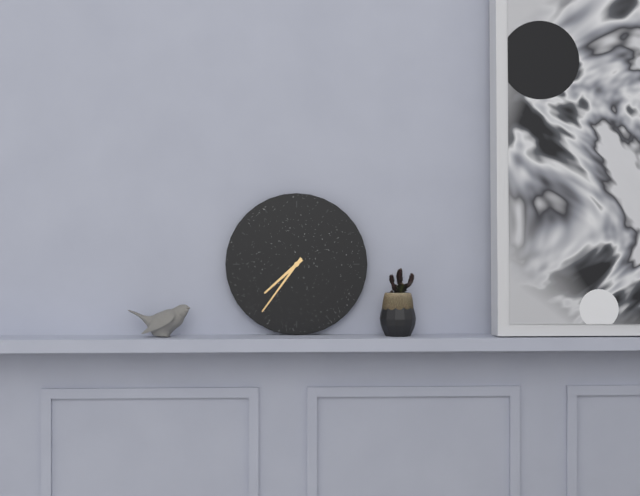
7:36
